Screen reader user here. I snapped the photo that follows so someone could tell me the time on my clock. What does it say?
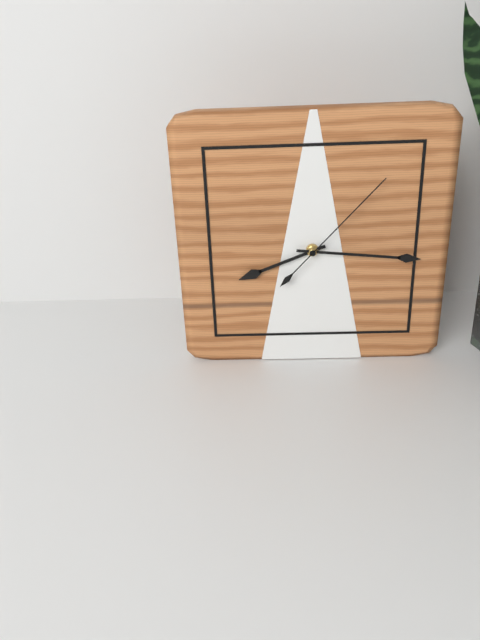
8:16:07
